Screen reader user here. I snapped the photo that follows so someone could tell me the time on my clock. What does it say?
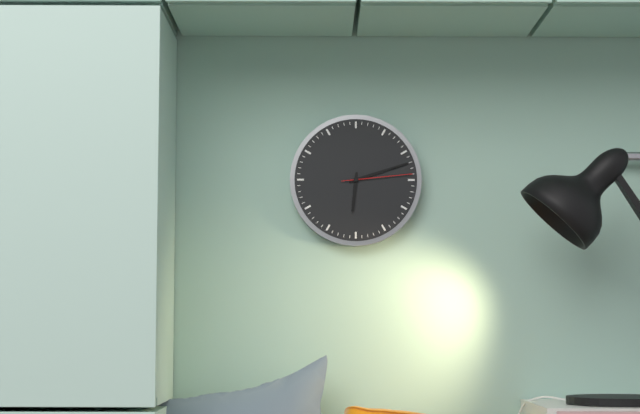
6:12:14
